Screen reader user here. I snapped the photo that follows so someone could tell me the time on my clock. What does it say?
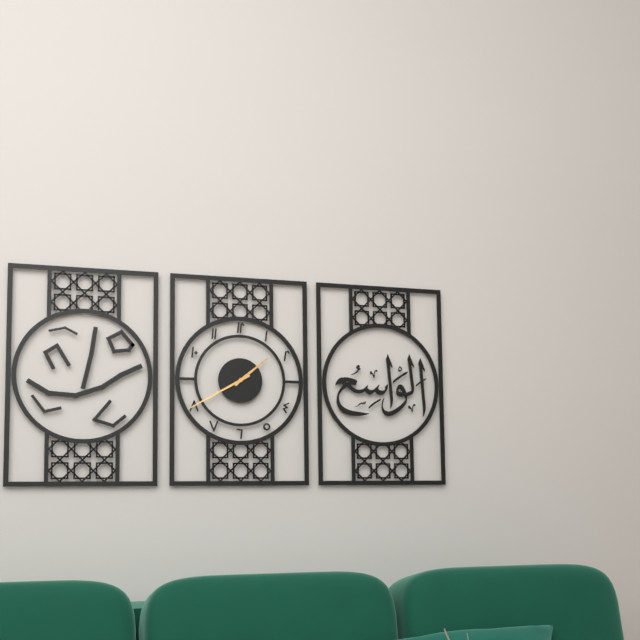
1:40
